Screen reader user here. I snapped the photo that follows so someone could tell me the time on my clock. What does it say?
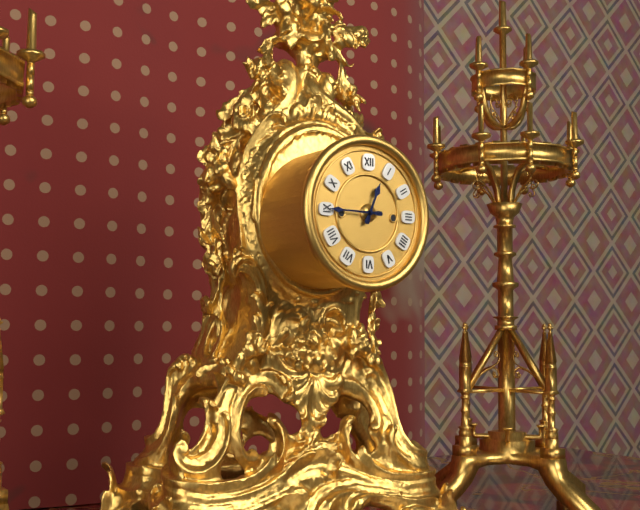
12:45
